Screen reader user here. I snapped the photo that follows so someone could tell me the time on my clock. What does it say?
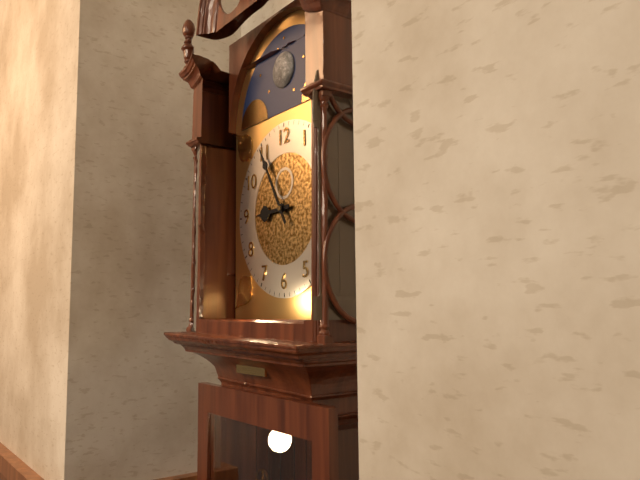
8:55
